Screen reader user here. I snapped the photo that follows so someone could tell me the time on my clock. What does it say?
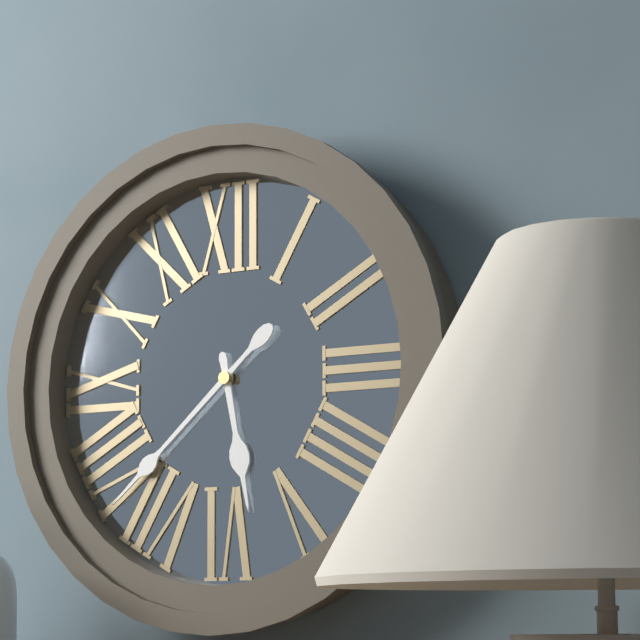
5:38
